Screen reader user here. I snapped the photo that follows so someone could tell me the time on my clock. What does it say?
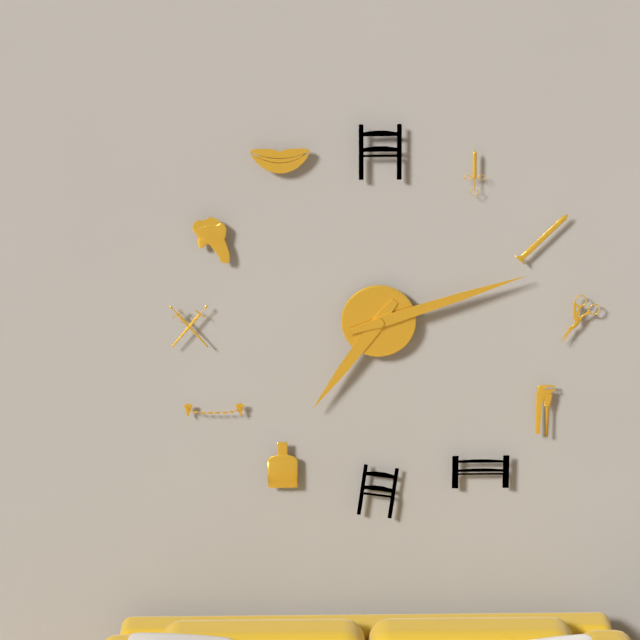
7:12
